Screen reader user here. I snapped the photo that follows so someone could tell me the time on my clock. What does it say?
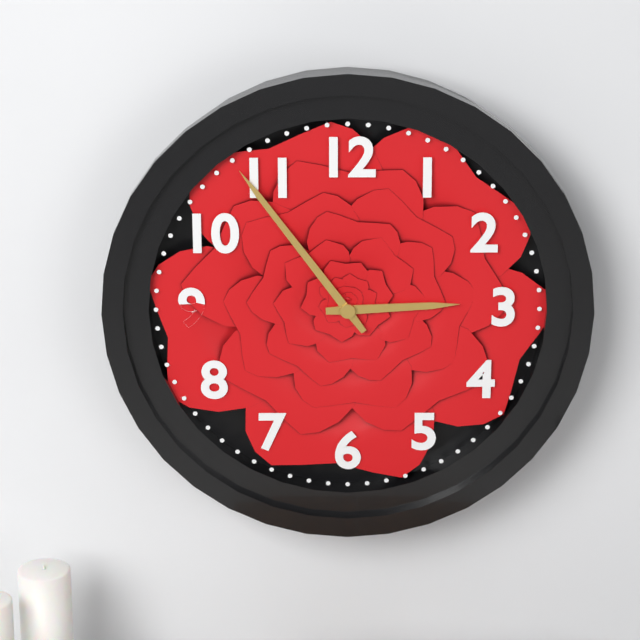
2:54
